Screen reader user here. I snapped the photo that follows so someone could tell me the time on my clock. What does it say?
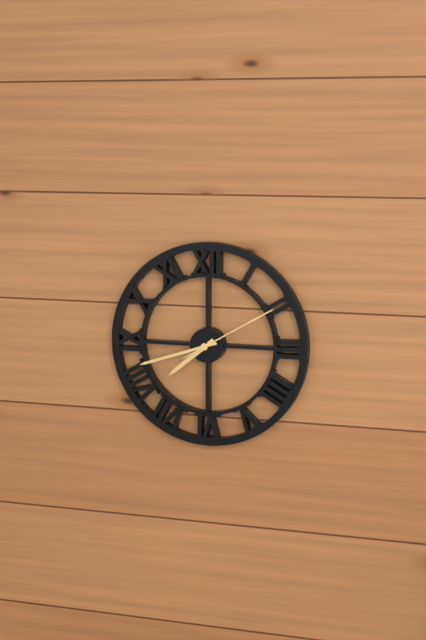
7:42:10
